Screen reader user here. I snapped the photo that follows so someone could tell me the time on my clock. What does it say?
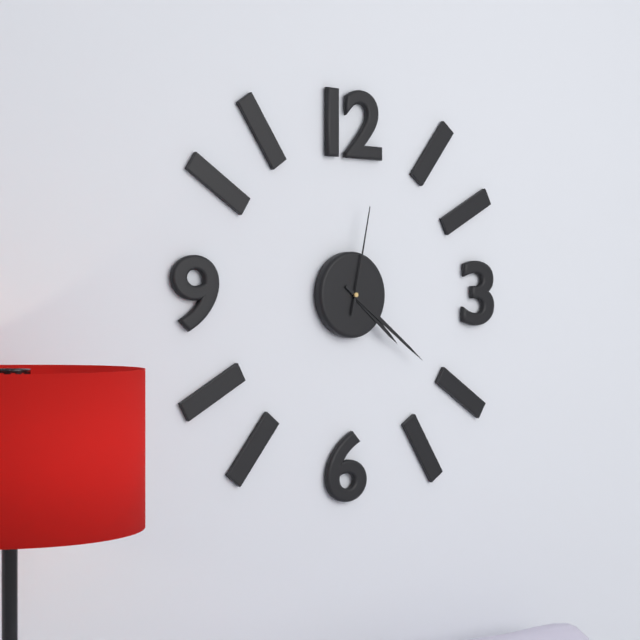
4:21:02
